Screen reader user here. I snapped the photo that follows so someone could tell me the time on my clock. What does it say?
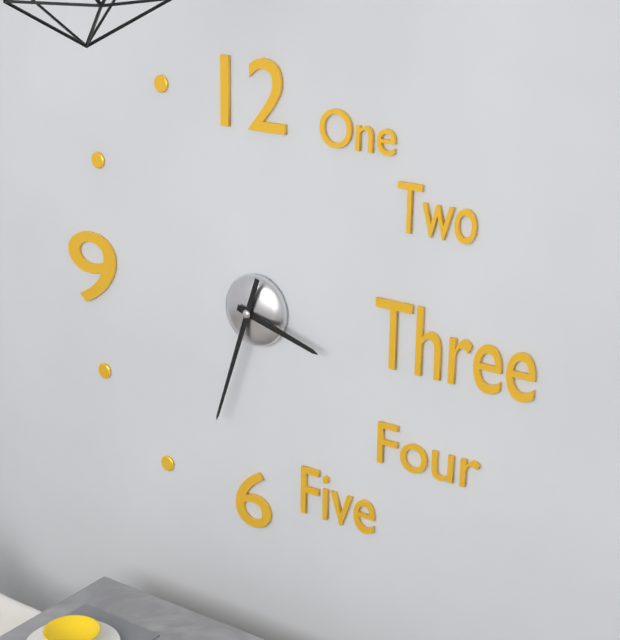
3:33
